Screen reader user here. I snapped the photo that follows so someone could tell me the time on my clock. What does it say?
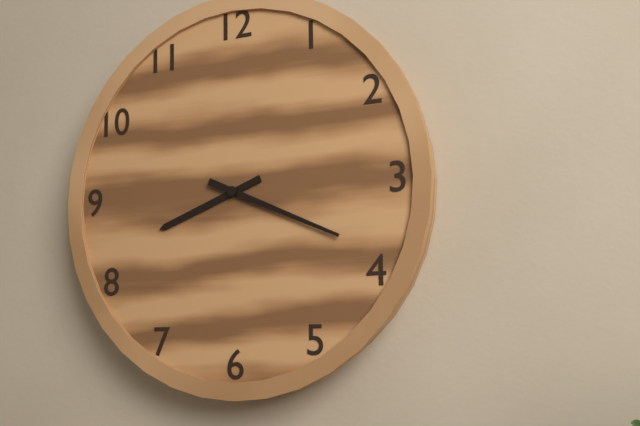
8:19
